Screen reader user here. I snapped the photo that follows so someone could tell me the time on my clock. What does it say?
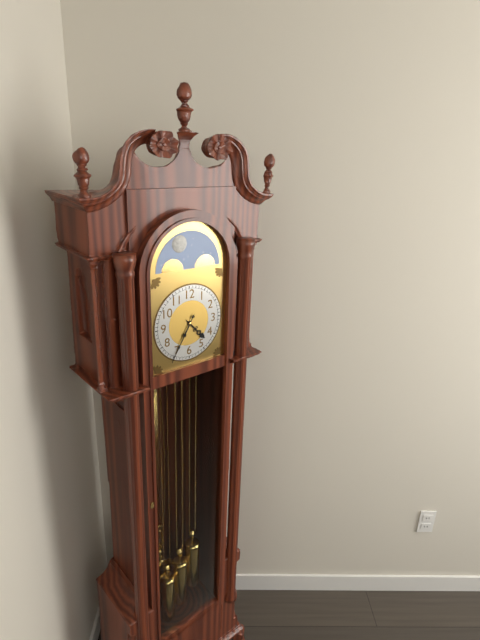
4:35
